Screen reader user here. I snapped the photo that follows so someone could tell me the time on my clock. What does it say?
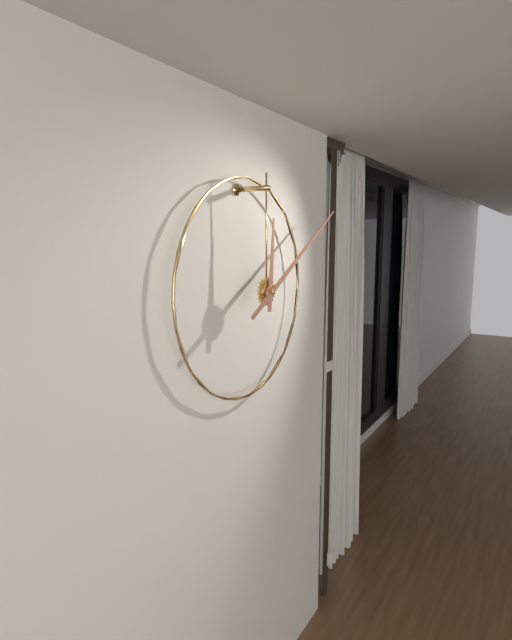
12:10
